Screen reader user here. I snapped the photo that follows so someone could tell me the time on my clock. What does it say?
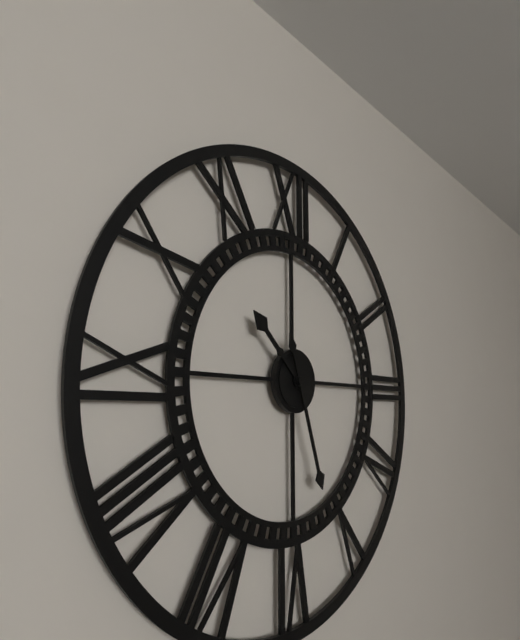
10:27
